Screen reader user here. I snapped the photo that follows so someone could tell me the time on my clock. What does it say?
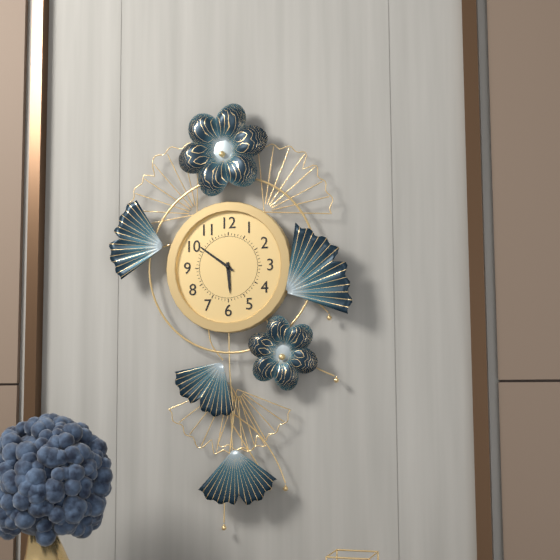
5:51
